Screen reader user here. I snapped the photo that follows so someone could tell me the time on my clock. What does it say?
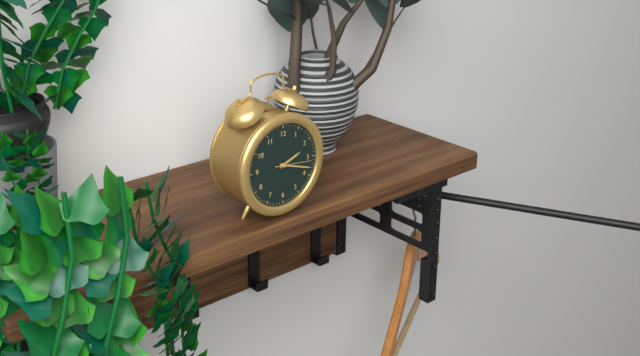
2:18
